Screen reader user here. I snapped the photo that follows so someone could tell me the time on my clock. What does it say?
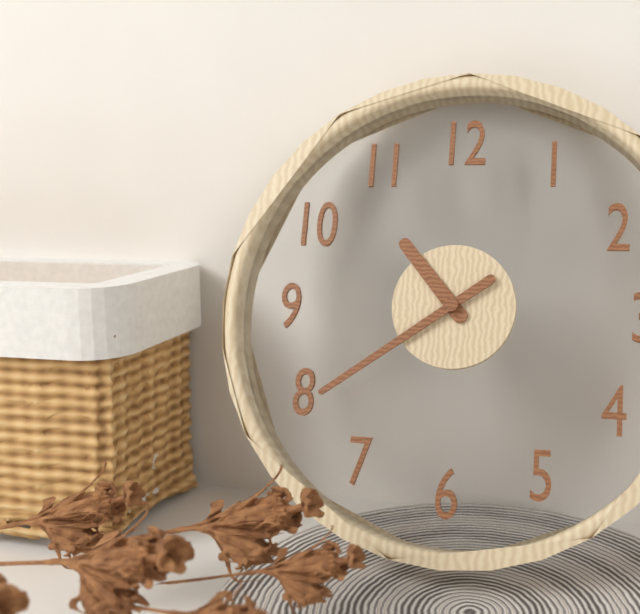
10:39
